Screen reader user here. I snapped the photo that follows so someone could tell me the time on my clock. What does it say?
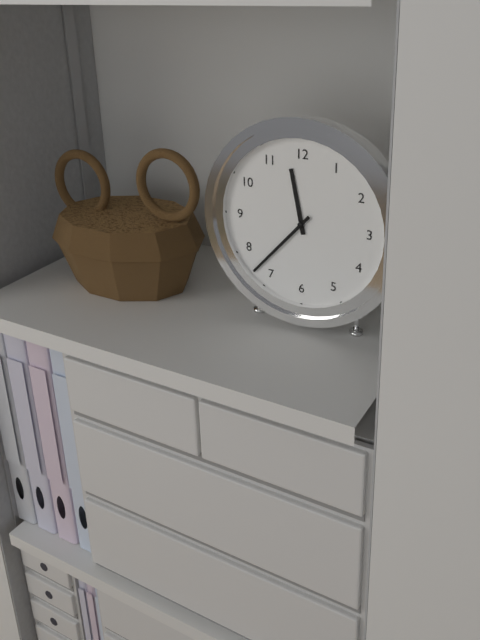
11:37
